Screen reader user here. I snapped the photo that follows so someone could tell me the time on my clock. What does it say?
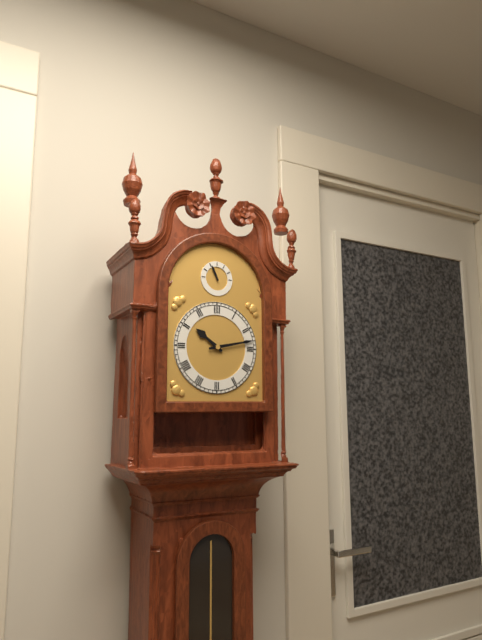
10:13
